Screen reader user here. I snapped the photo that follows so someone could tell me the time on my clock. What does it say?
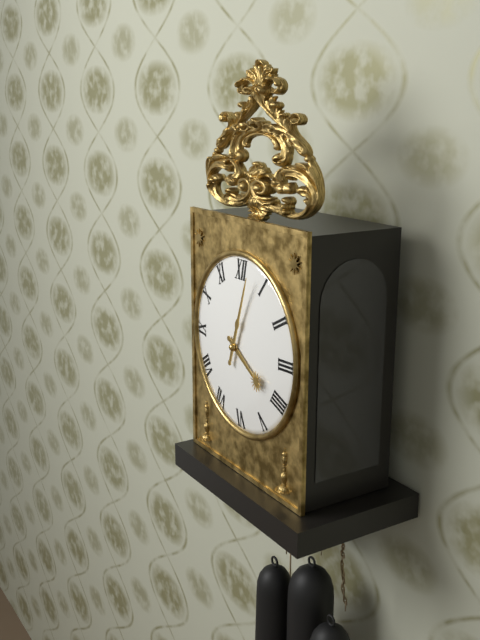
4:03
